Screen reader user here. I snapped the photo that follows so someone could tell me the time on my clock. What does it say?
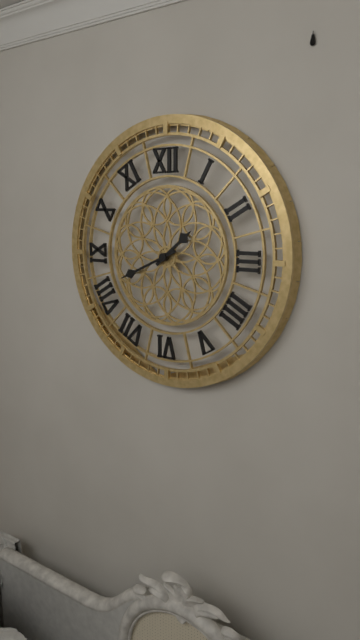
1:41
